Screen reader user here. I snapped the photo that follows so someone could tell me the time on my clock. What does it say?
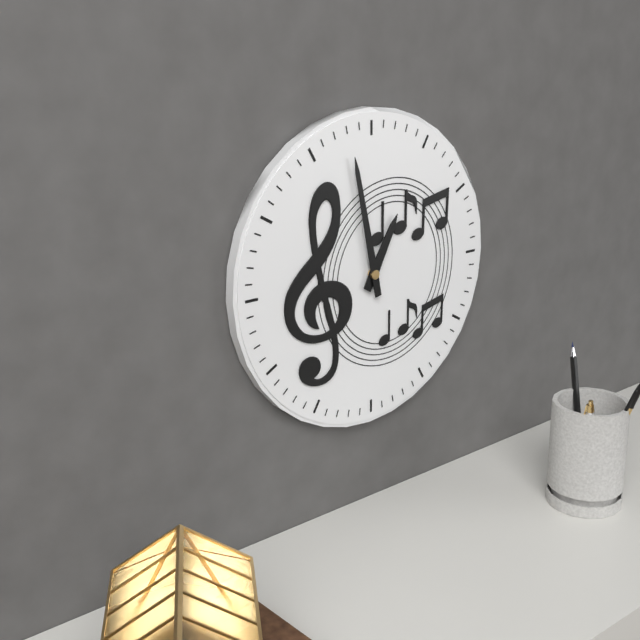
12:58
